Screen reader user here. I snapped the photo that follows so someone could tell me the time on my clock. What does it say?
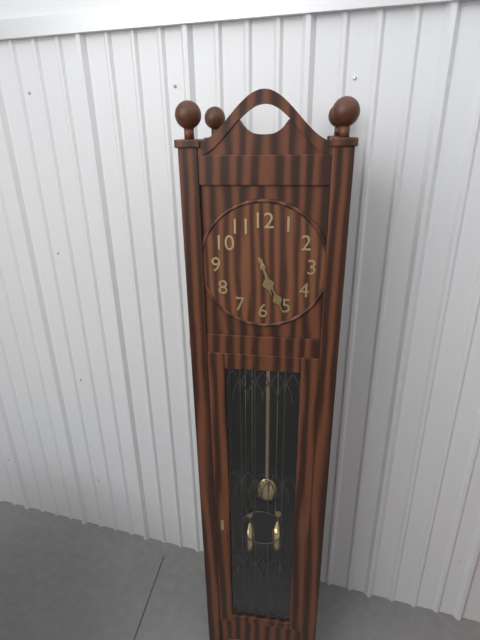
5:26
